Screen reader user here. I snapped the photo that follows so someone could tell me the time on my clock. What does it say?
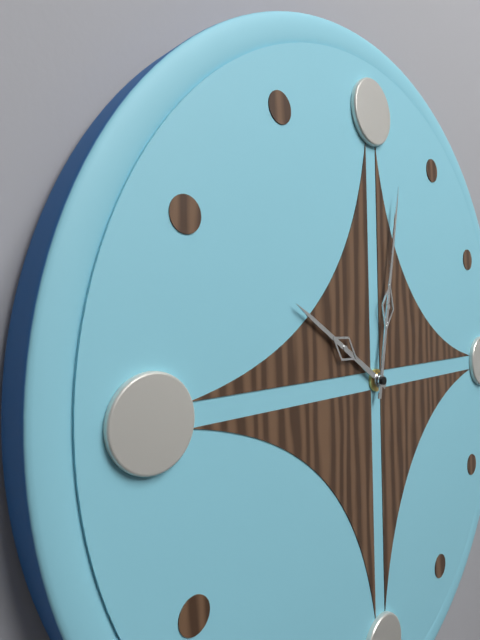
10:02
